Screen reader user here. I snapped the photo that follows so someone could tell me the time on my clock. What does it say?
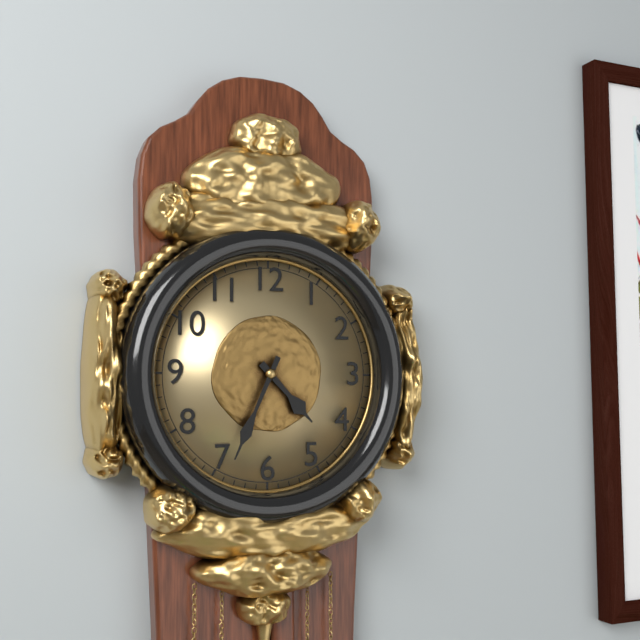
4:34
